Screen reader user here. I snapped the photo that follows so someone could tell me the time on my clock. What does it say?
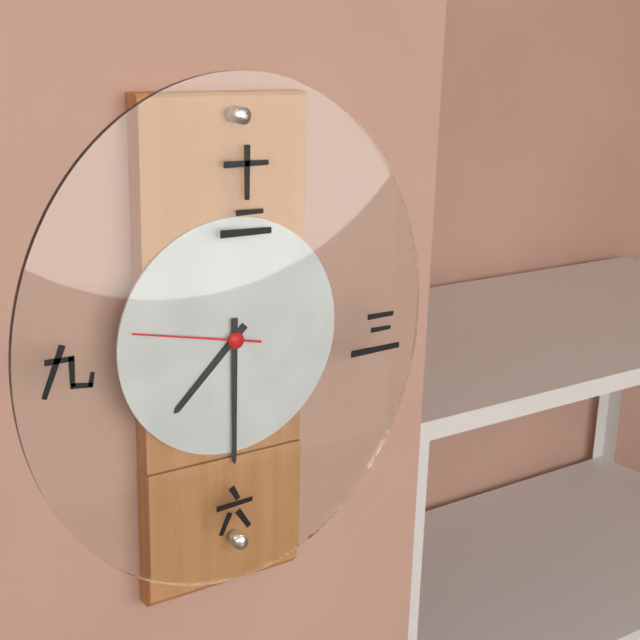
7:30:47
